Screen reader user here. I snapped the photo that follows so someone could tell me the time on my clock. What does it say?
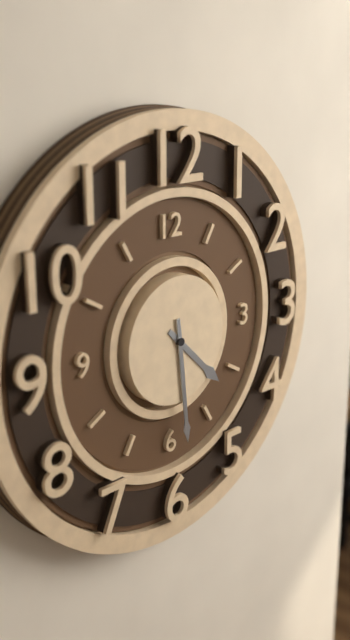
4:29
